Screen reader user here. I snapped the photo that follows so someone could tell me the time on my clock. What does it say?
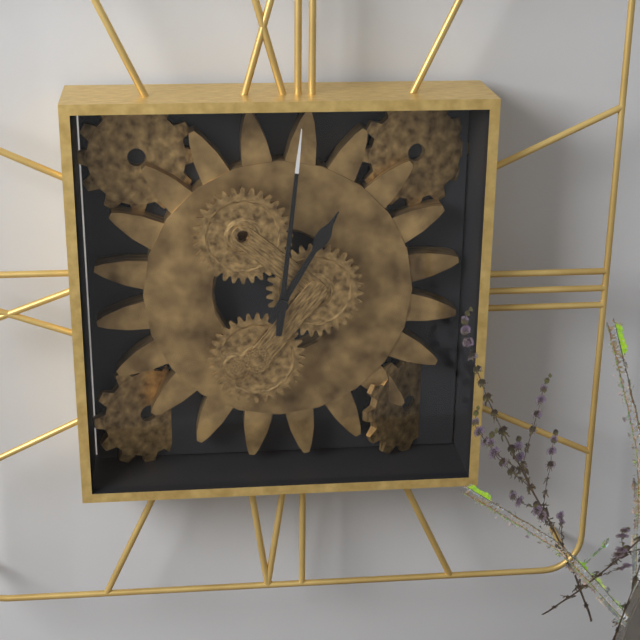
1:01
